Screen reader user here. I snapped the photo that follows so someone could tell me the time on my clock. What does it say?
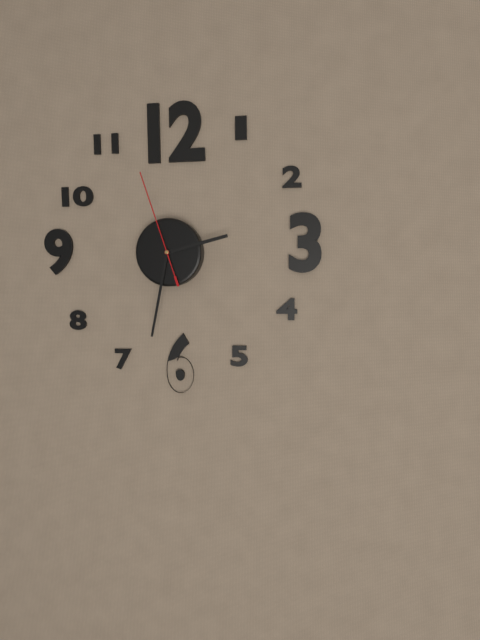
2:32:57
